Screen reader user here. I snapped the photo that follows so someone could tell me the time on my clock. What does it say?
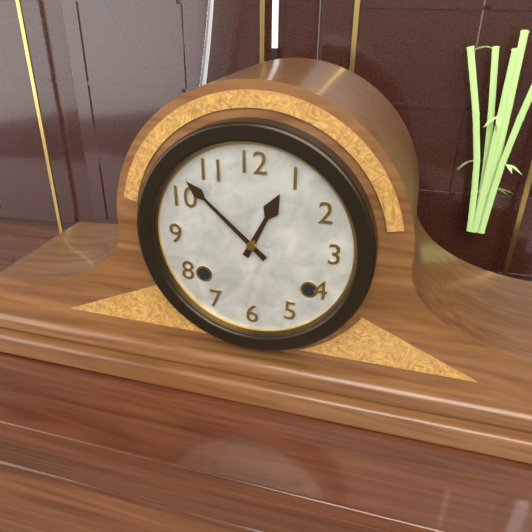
12:52
